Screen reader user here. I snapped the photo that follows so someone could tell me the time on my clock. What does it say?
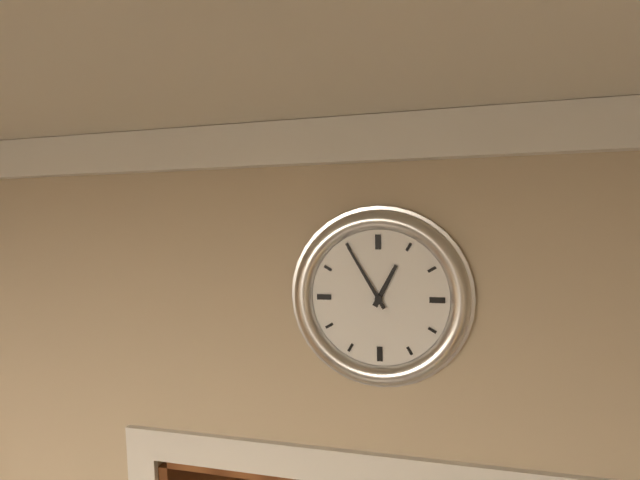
12:55
